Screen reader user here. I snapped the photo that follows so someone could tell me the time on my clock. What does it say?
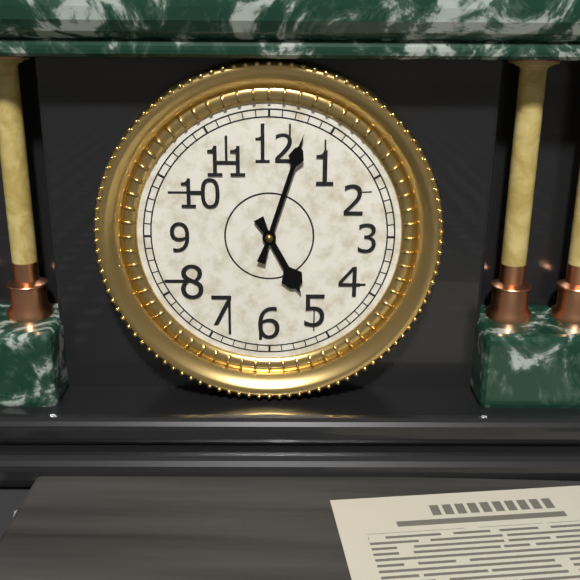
5:03
